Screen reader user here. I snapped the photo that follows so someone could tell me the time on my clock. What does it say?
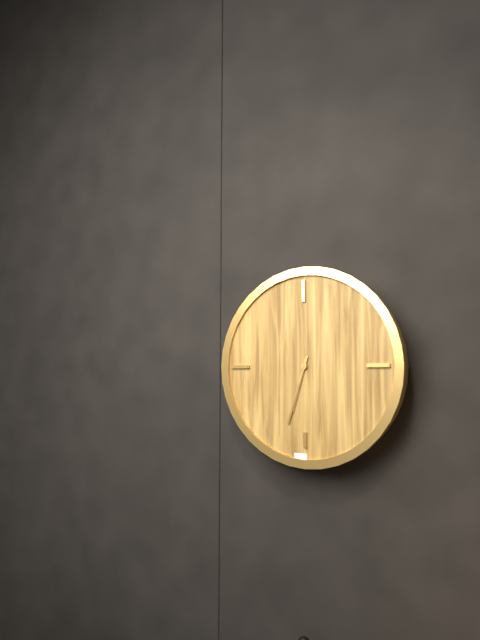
6:33
